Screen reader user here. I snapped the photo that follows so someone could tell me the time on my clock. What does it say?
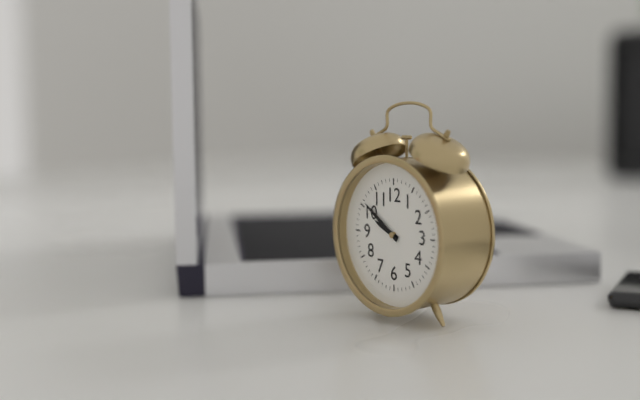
9:51
